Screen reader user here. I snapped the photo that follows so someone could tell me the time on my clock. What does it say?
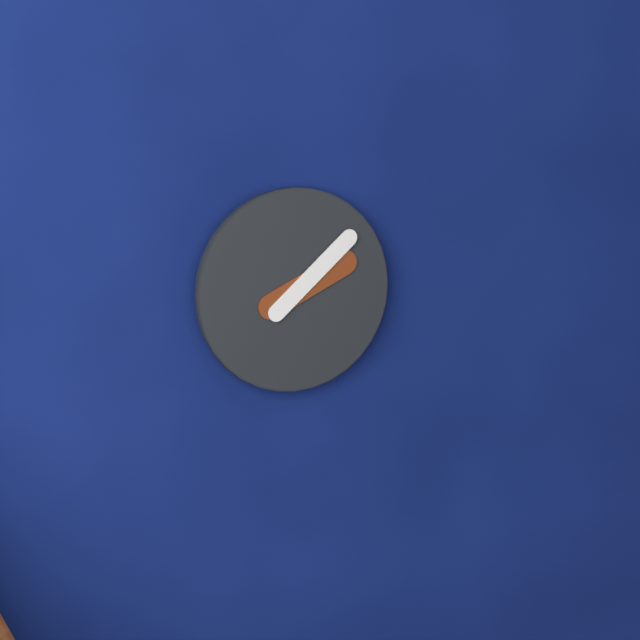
2:08
